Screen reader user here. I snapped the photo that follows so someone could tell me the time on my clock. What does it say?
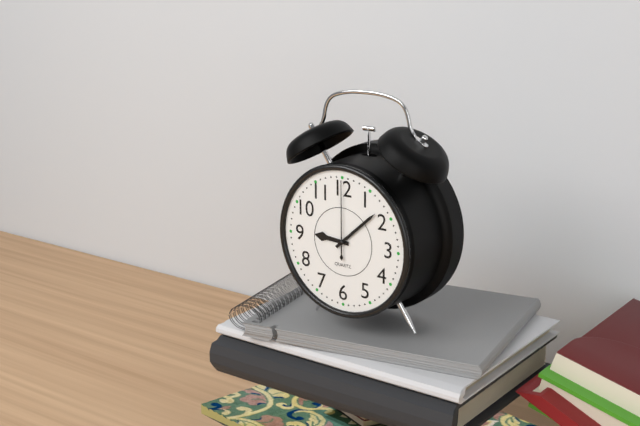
9:08:00
